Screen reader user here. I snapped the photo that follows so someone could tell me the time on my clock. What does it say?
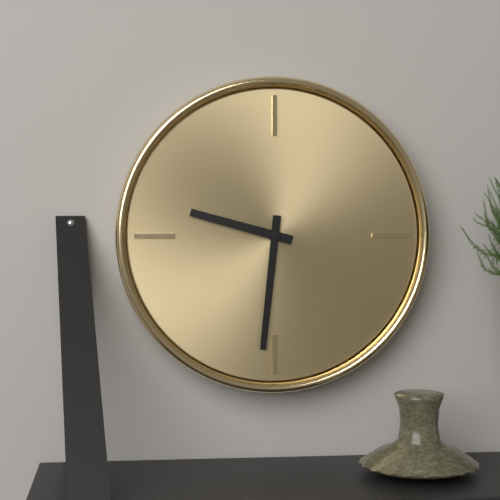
9:31
